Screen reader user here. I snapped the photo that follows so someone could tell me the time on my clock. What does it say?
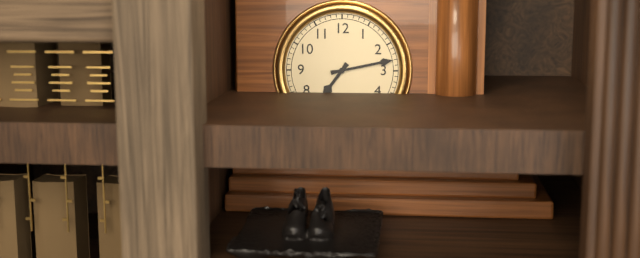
7:13
